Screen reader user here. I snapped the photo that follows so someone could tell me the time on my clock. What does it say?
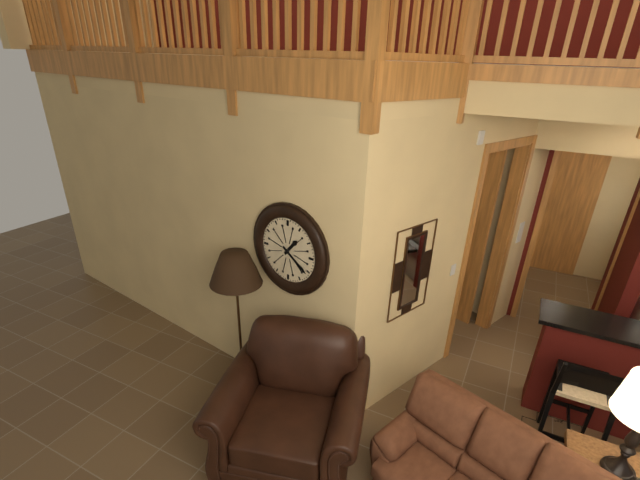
1:21
